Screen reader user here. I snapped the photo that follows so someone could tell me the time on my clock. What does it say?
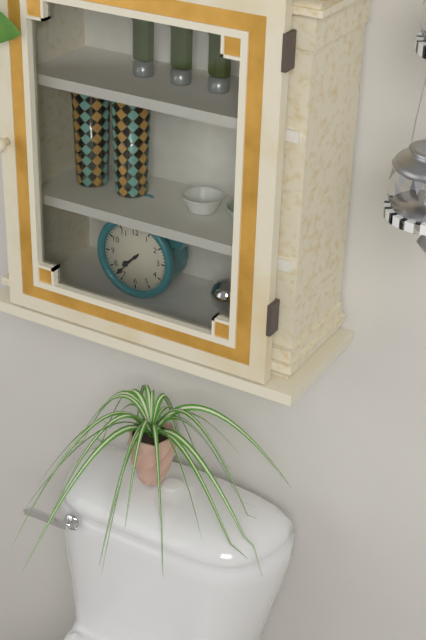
7:37
